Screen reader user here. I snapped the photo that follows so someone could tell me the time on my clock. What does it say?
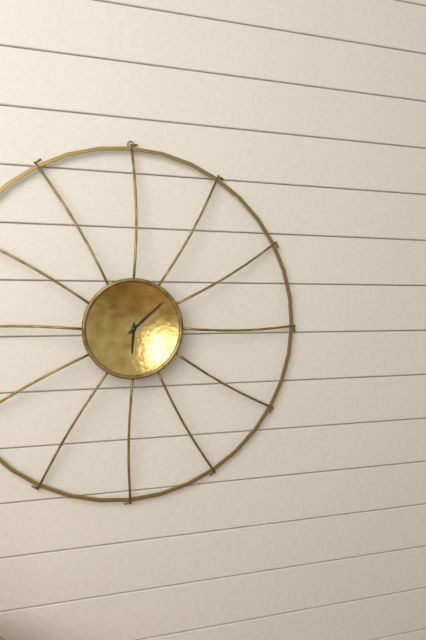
6:08
